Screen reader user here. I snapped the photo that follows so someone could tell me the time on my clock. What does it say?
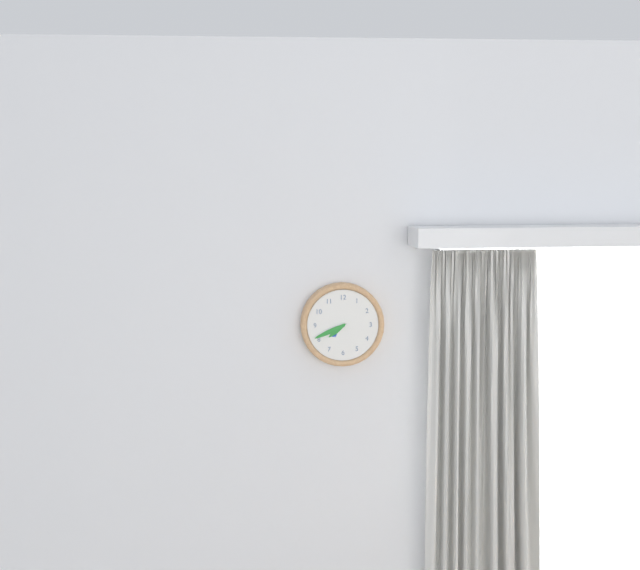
7:41
